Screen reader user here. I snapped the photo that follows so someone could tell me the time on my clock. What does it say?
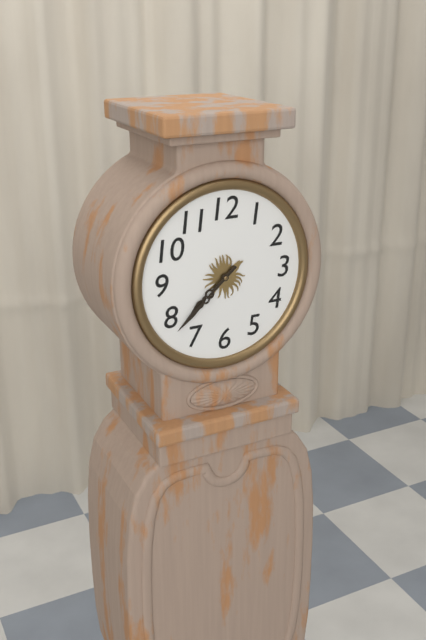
7:38
